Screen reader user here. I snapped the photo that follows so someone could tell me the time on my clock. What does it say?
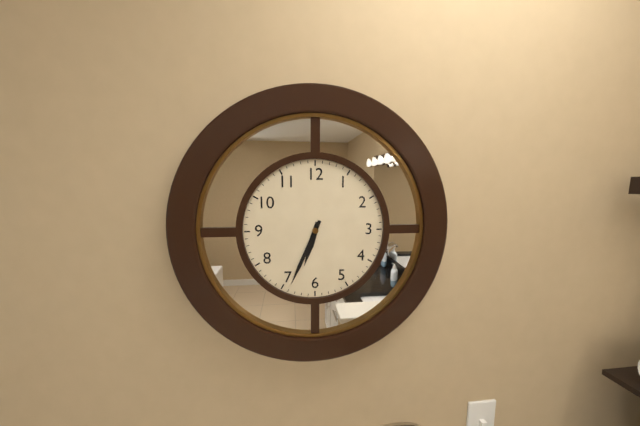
6:34
